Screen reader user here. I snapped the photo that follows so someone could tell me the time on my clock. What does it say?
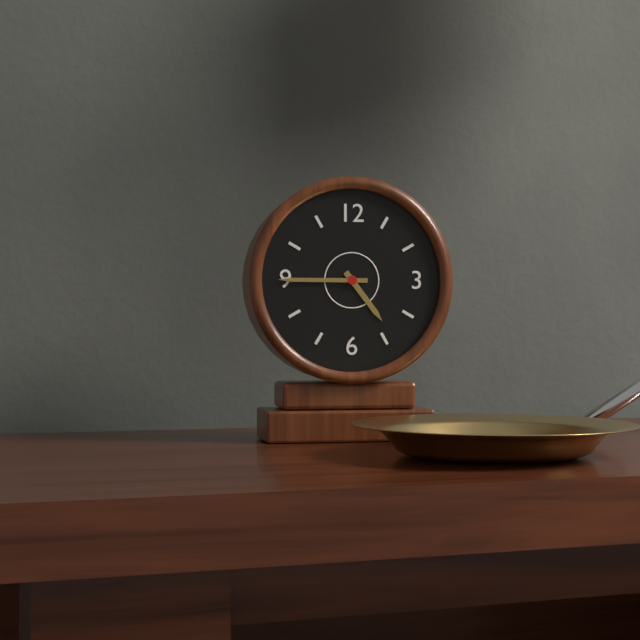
4:45
